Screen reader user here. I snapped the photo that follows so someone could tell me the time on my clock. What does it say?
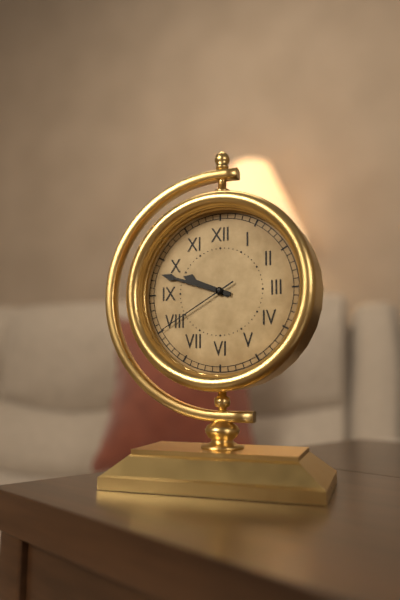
9:48:40
